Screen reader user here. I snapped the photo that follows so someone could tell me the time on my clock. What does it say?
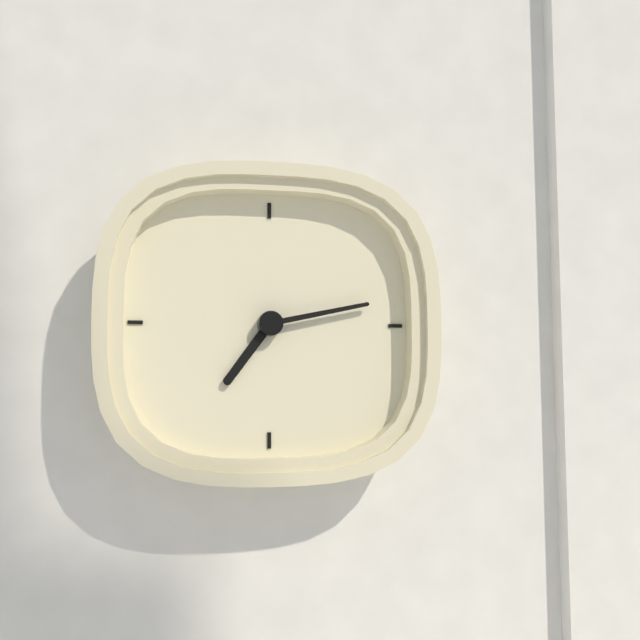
7:13
